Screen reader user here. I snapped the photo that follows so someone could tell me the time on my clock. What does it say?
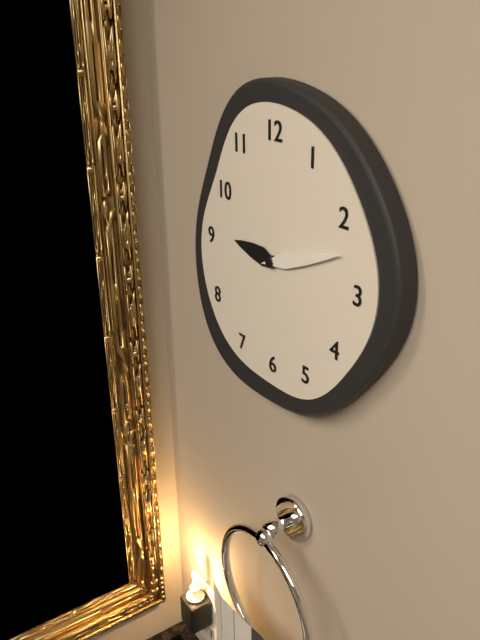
9:12
